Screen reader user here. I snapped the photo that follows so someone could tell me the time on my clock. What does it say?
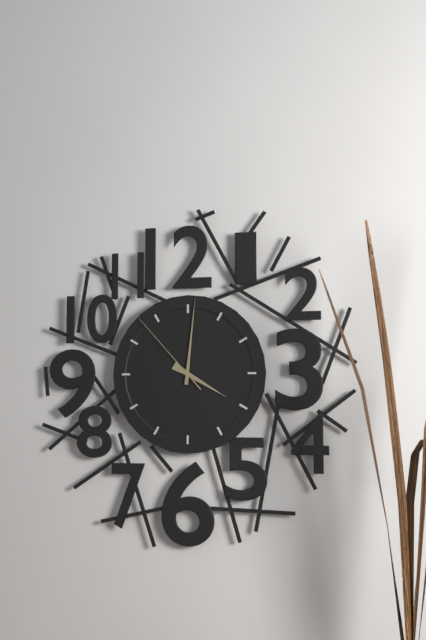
4:01:53
